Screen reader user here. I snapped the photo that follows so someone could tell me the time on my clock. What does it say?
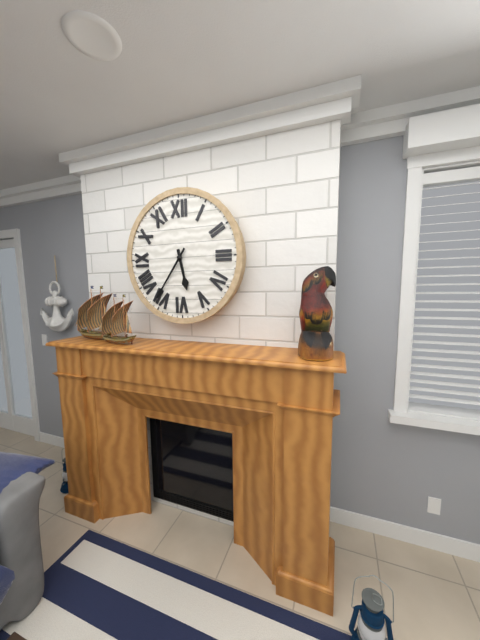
5:36
